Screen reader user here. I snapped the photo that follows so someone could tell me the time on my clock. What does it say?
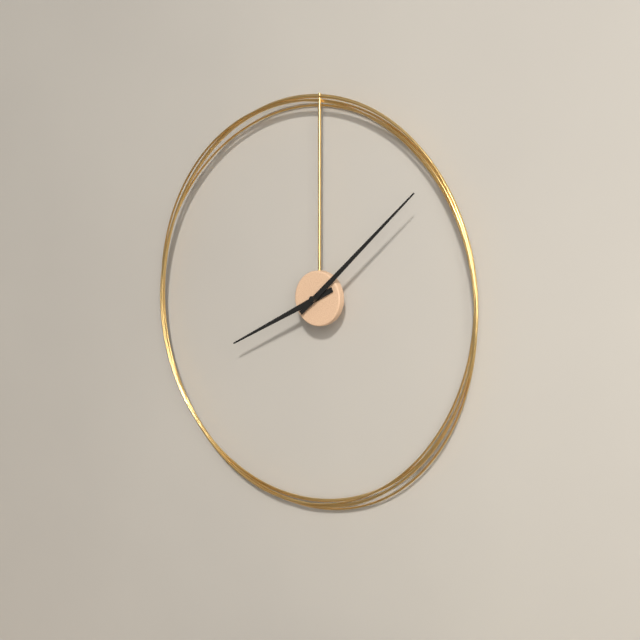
8:08
